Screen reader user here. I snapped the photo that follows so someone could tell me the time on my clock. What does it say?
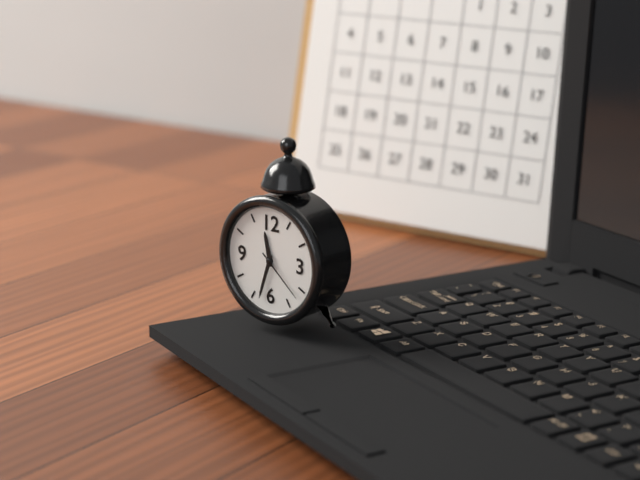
11:33:22
